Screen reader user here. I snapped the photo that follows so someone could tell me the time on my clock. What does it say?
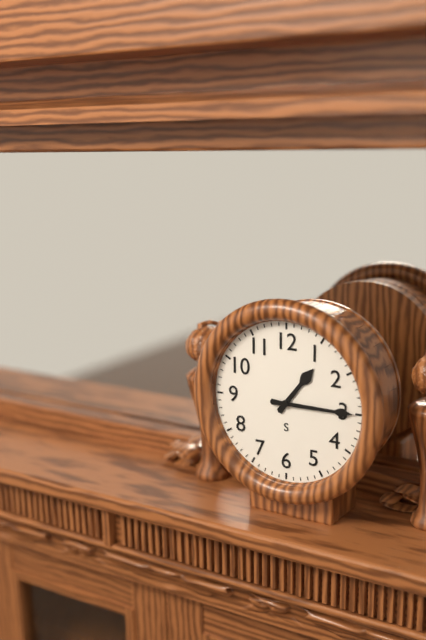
1:15
